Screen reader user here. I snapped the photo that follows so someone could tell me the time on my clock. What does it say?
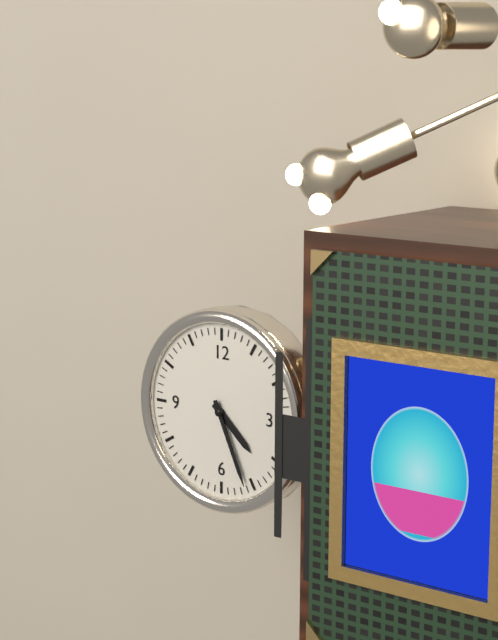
4:26
